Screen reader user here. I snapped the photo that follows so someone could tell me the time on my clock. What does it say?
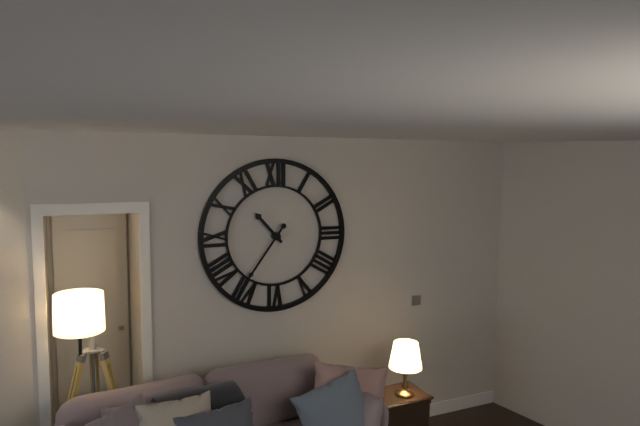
10:36
